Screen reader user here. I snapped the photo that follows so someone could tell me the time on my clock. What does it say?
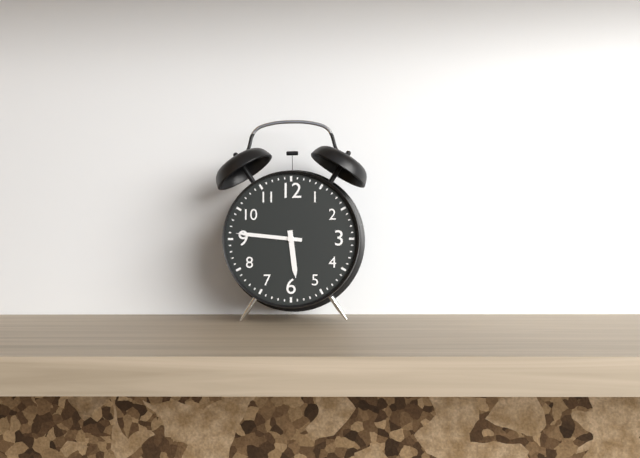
5:46
